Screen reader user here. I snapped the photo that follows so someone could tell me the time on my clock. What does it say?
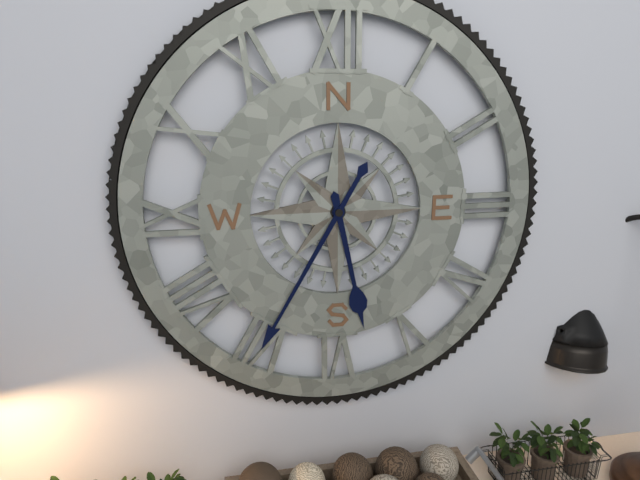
5:35
